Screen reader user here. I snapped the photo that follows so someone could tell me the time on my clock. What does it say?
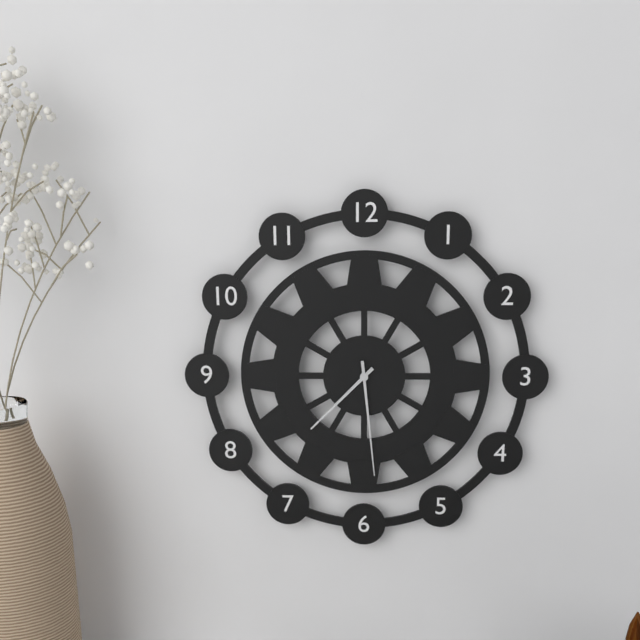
7:29
